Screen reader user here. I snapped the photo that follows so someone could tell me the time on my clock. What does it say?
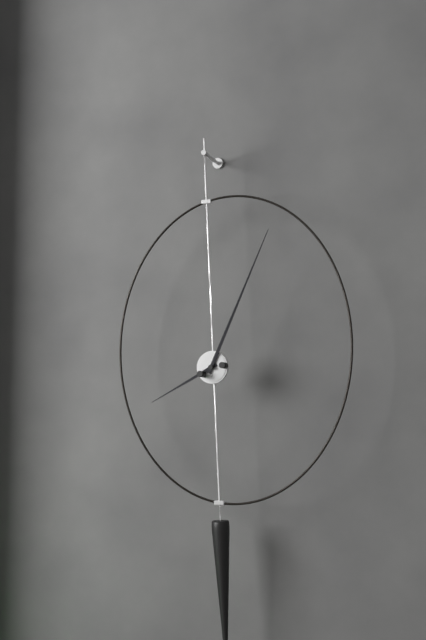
8:04
